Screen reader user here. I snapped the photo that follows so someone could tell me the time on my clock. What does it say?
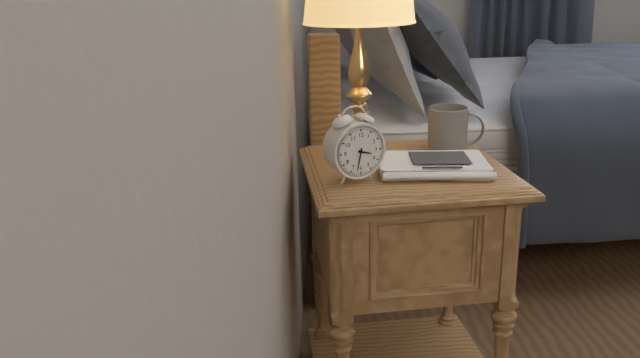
3:32
